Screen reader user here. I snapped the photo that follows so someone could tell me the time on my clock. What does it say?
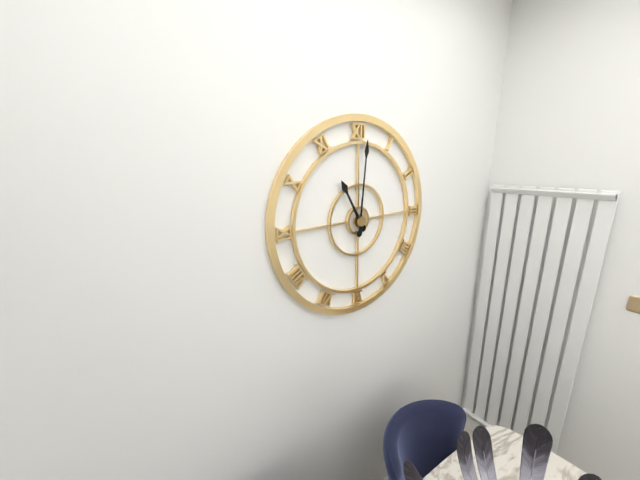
11:01
